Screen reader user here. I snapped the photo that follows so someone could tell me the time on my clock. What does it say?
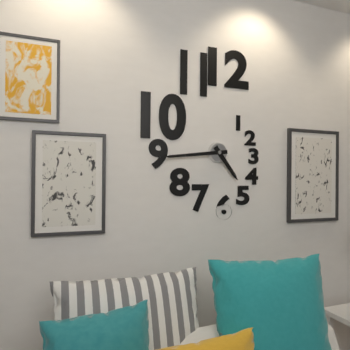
4:44
